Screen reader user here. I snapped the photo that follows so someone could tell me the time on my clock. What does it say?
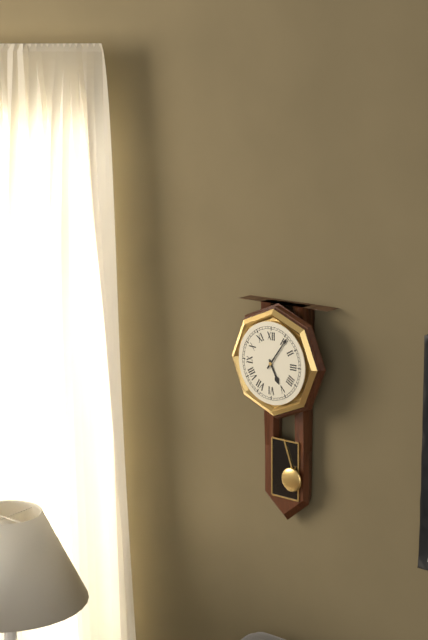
5:06
